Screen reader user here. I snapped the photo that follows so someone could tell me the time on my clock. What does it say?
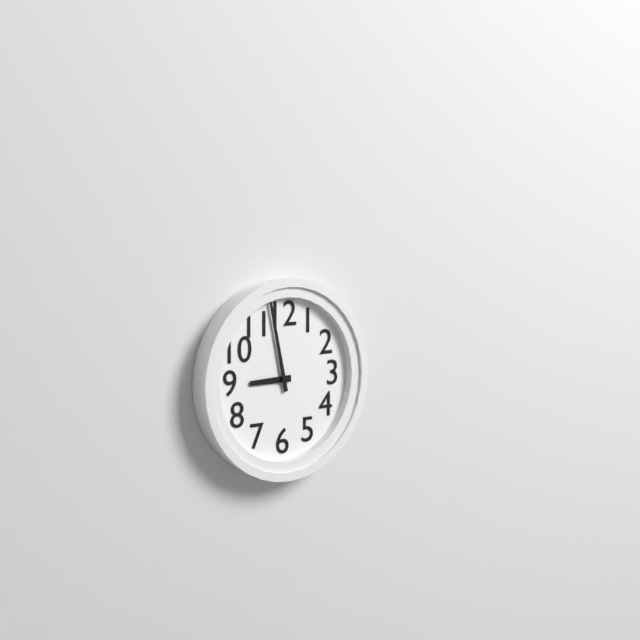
8:58
